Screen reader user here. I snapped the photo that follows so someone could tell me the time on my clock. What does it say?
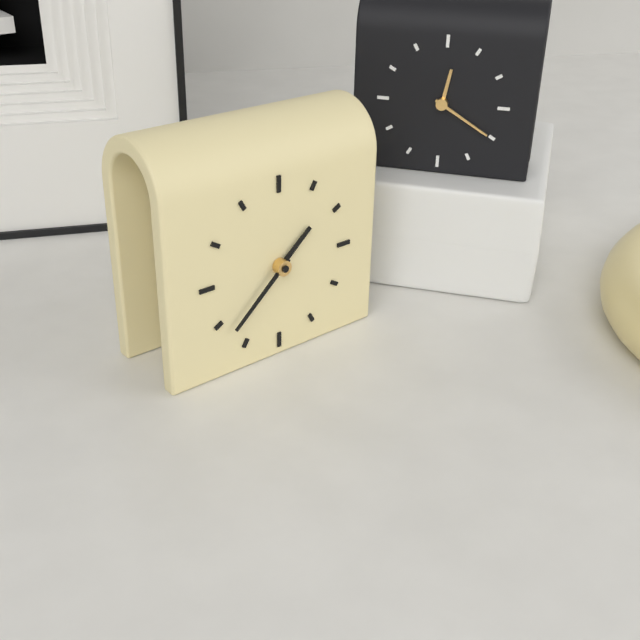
1:38
